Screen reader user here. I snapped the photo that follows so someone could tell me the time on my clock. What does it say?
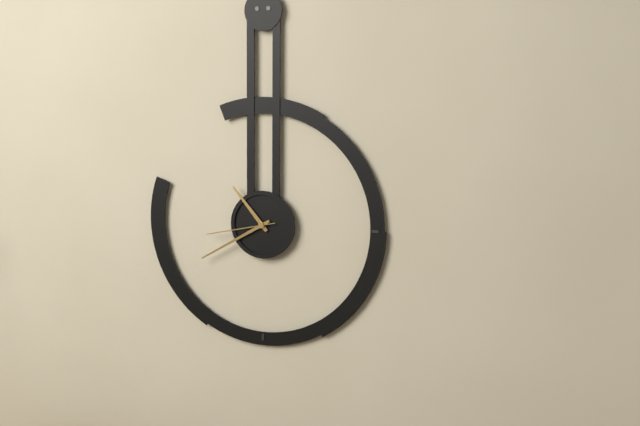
10:40:43
